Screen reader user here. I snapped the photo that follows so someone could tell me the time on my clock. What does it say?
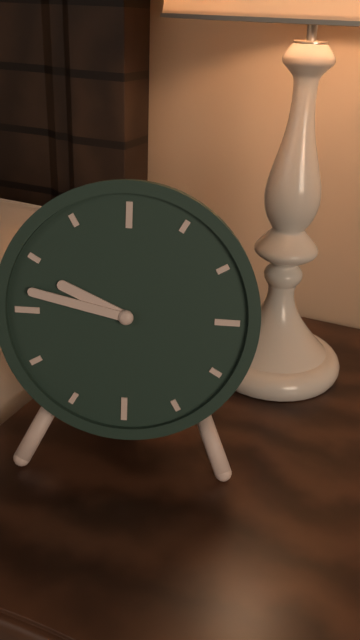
9:47
